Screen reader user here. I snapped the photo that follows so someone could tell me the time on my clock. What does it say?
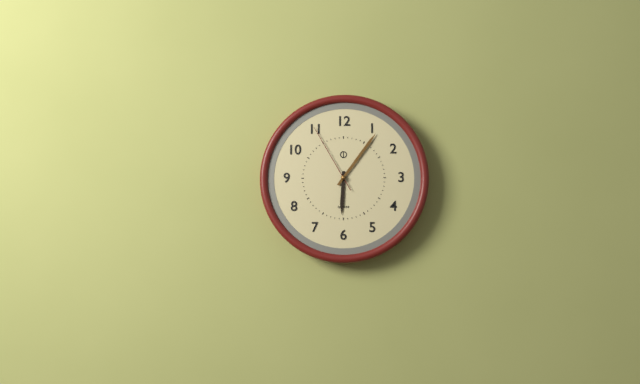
6:06:55
